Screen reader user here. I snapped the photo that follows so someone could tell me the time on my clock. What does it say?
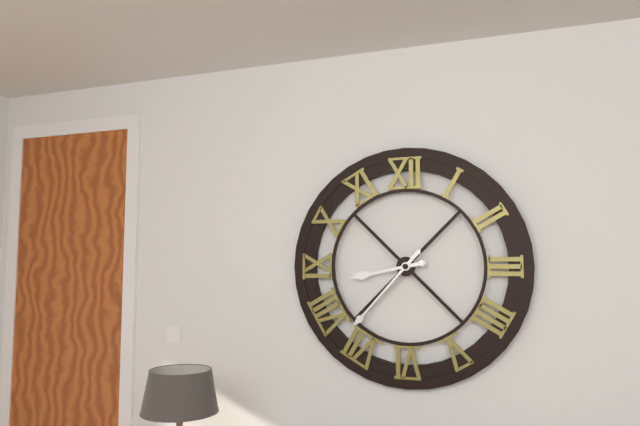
8:37
